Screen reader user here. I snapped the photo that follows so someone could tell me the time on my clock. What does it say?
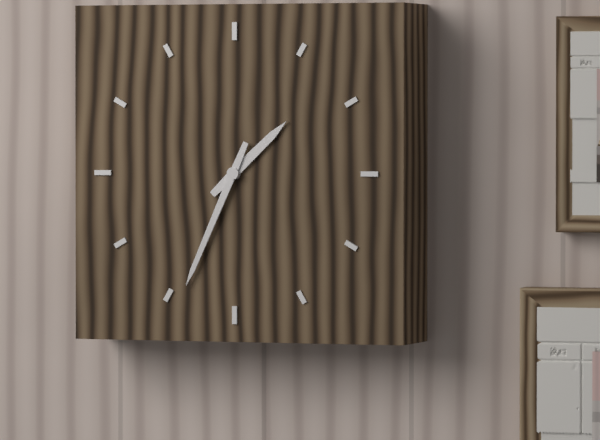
1:34
